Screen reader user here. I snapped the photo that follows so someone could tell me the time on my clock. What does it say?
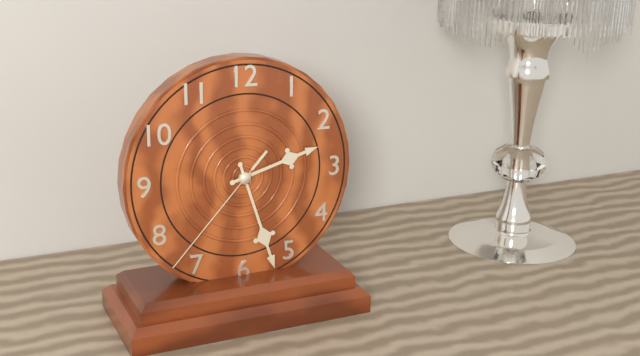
2:27:37
